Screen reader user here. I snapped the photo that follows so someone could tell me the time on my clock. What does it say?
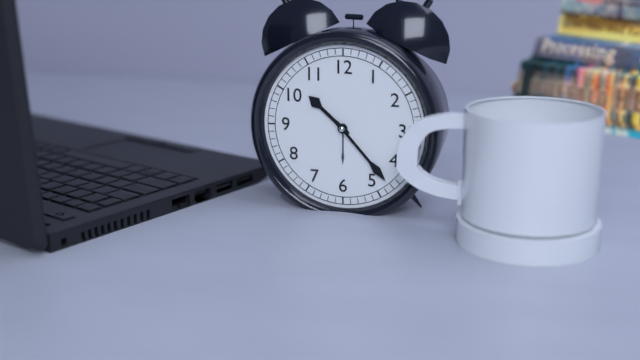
10:23
